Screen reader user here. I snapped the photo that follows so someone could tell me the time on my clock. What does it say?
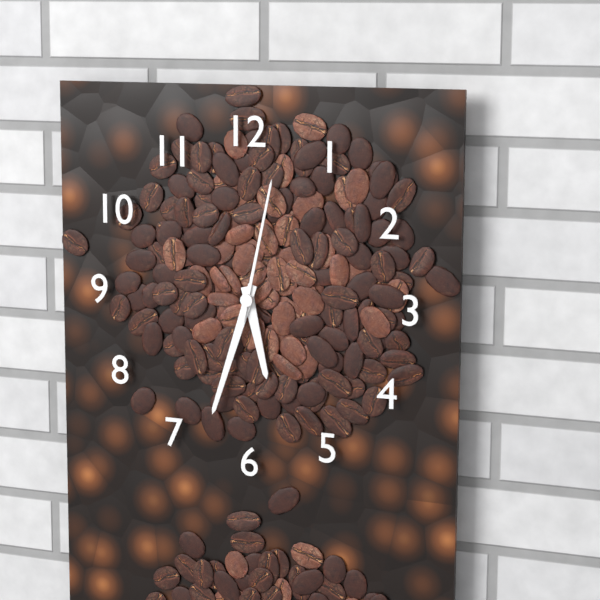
5:33:02
